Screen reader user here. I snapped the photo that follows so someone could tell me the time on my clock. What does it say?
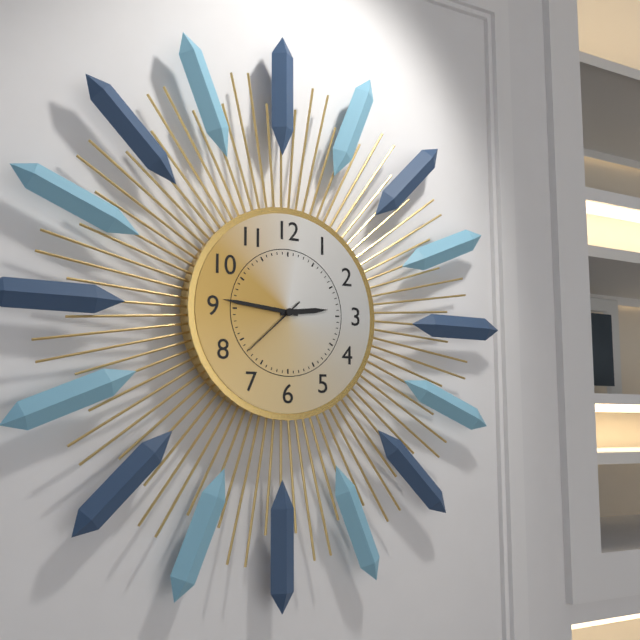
2:46:38
